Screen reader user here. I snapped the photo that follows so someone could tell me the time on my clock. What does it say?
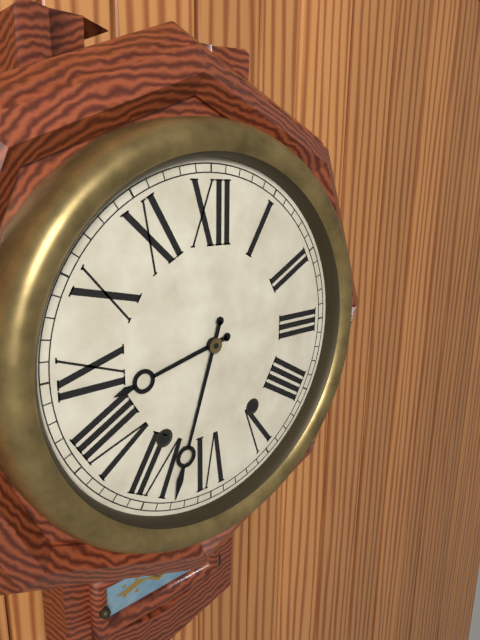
8:33
